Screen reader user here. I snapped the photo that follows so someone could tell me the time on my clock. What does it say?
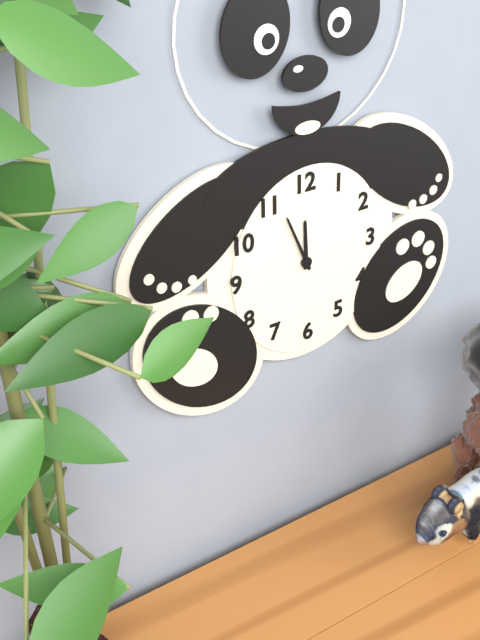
11:56
